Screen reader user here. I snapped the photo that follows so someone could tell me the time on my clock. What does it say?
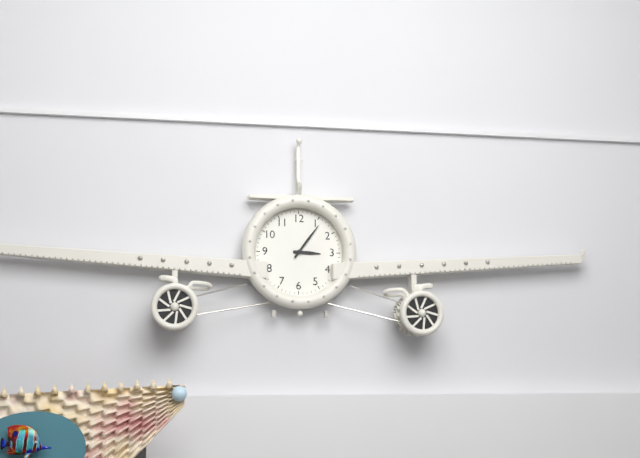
3:06
